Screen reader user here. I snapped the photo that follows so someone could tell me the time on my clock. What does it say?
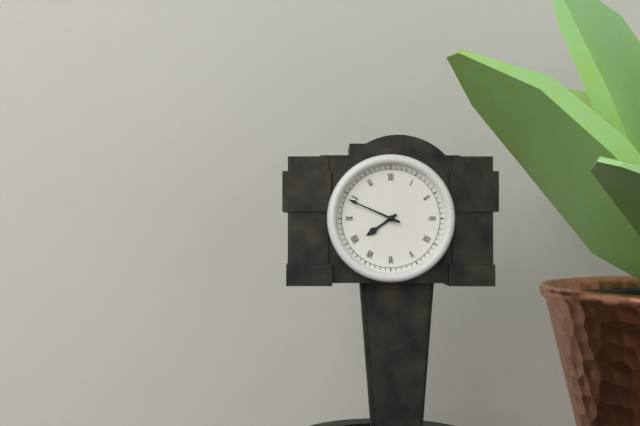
7:49
